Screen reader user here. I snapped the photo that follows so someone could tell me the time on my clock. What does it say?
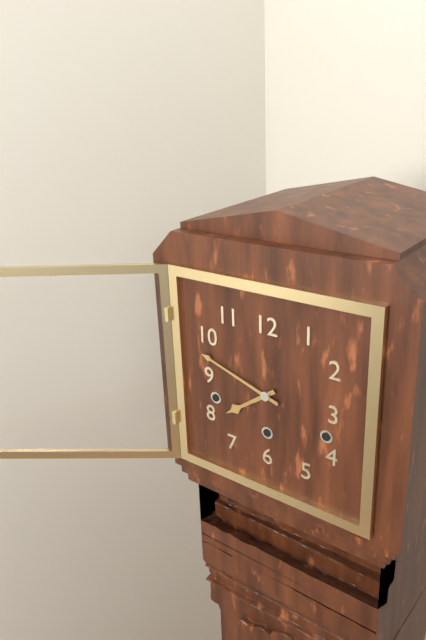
7:48
